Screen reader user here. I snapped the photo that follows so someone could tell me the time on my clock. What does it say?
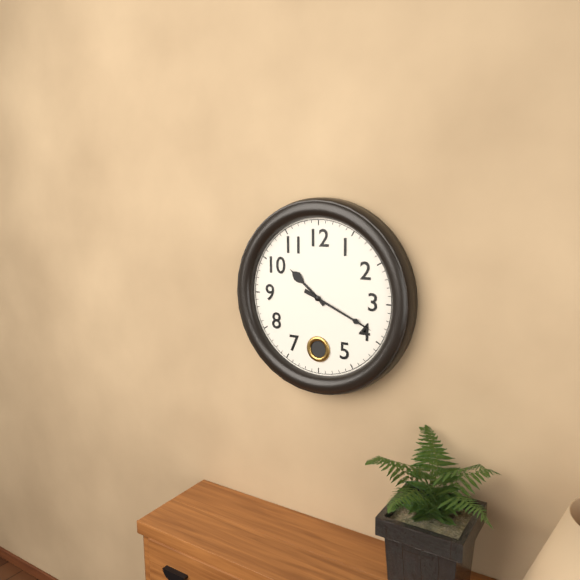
10:19
